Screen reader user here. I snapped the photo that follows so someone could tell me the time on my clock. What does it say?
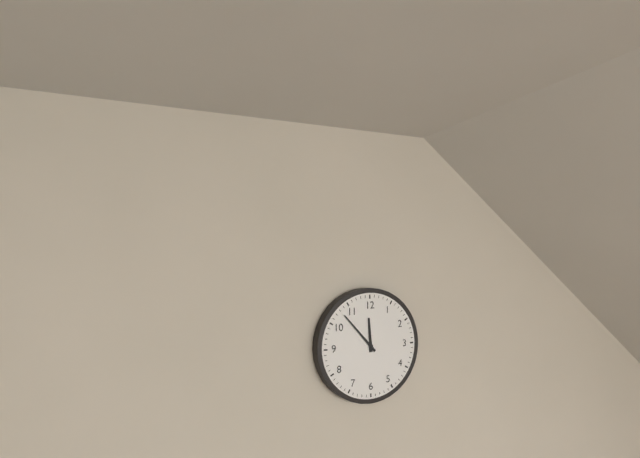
11:53
